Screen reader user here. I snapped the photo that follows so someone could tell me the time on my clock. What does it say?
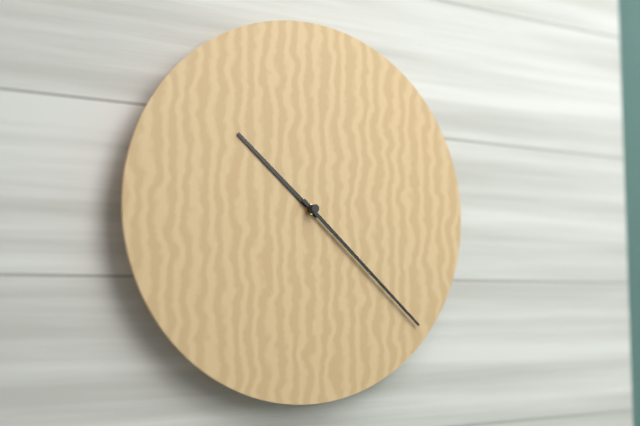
10:22
